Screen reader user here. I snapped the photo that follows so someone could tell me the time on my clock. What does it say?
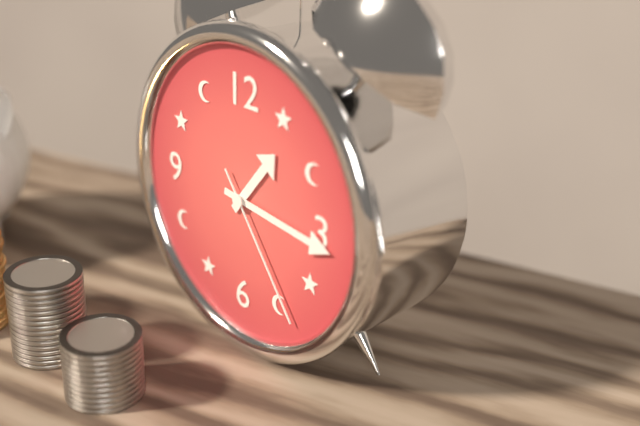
1:16:24
